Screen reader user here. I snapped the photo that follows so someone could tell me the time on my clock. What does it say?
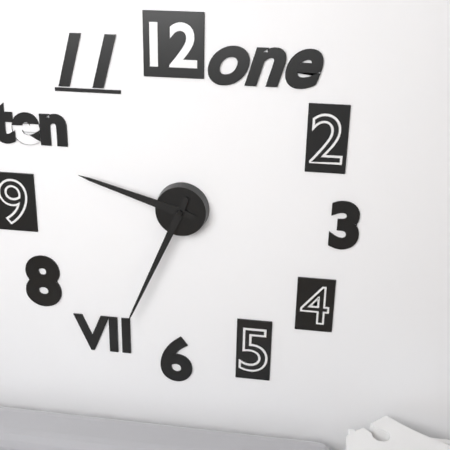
9:34
